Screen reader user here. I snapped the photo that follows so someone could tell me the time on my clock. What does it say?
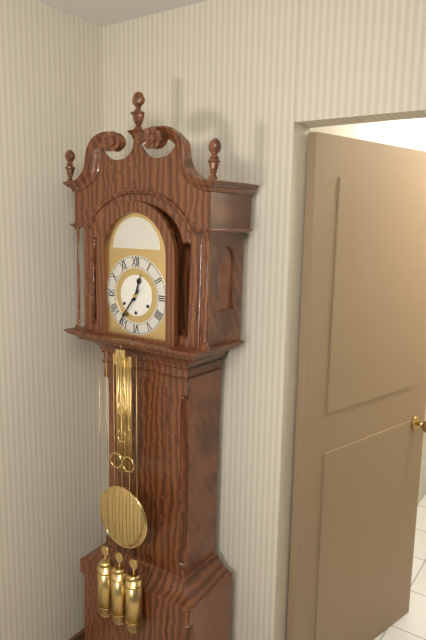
12:36
